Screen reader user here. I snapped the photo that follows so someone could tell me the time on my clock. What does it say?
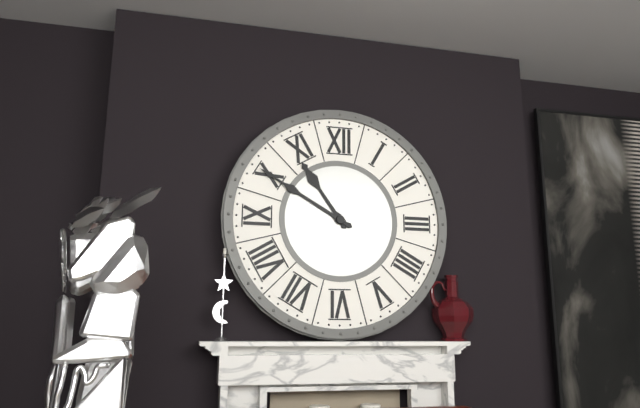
10:50
